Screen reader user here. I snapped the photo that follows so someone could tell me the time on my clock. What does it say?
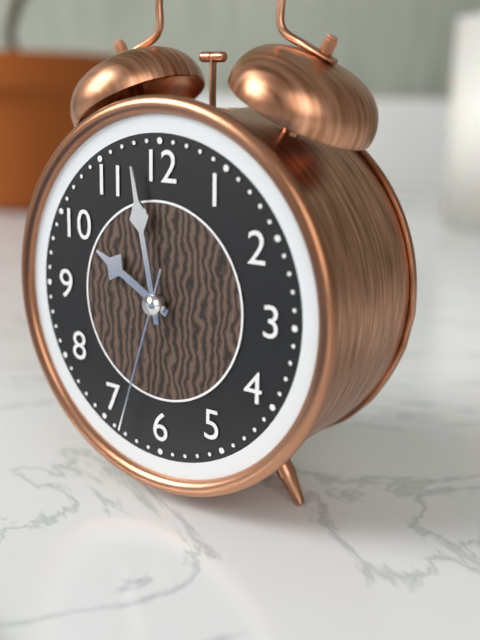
9:58:33
